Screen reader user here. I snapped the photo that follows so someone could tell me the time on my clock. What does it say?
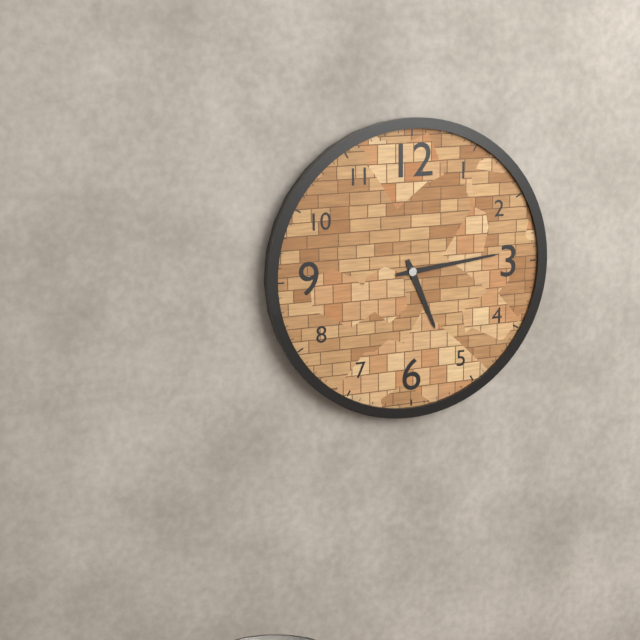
5:14
